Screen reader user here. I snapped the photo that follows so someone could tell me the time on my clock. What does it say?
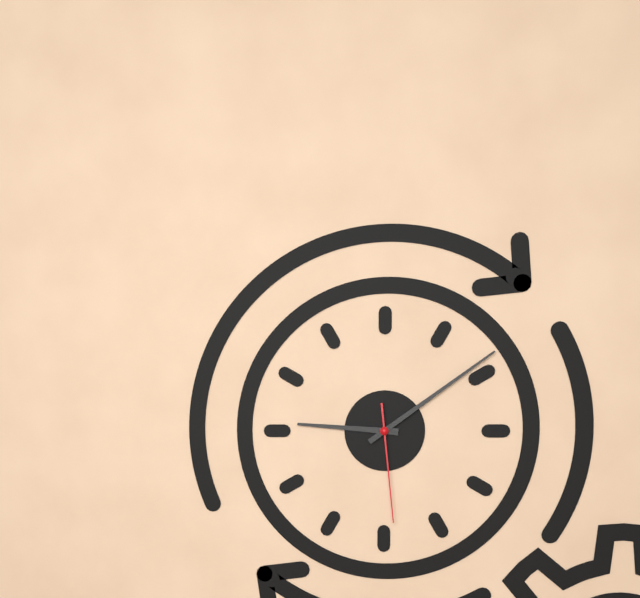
9:09:29
